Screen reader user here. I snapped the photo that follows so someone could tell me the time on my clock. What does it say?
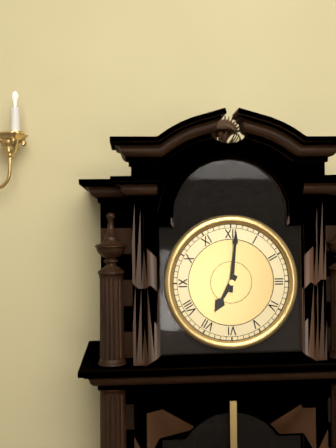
7:01
